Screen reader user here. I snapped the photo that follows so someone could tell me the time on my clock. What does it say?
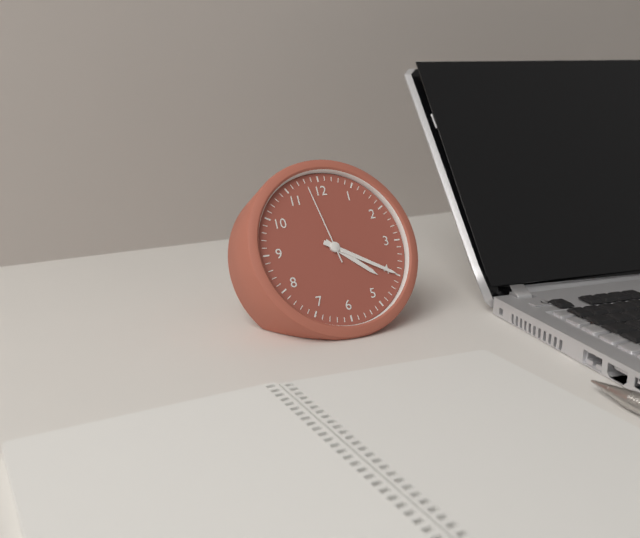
4:20:58
